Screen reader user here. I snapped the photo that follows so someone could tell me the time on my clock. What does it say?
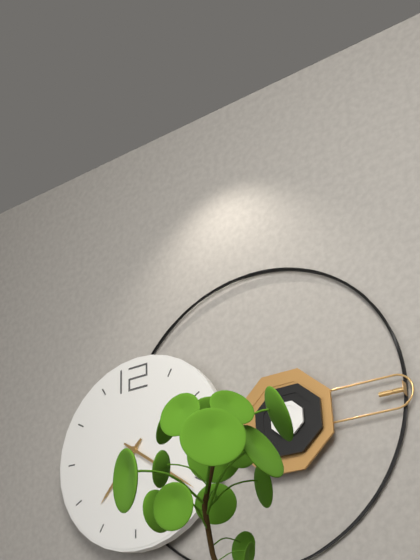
7:21
